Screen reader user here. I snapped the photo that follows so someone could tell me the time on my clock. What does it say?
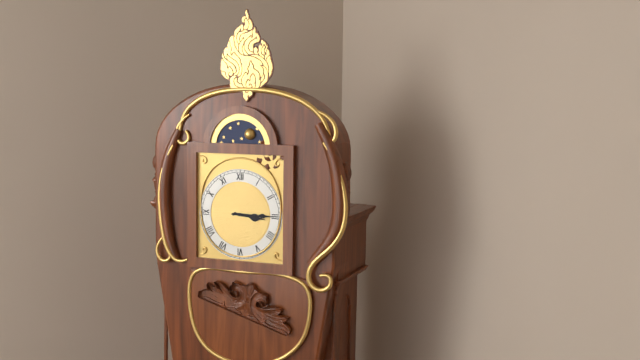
3:15
